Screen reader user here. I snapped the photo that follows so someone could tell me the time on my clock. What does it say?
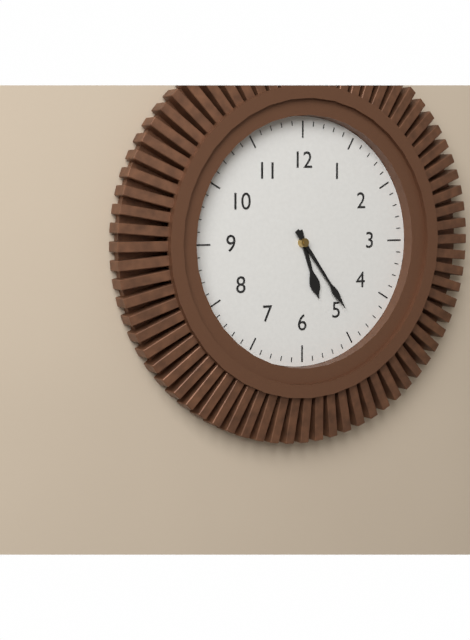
5:24
